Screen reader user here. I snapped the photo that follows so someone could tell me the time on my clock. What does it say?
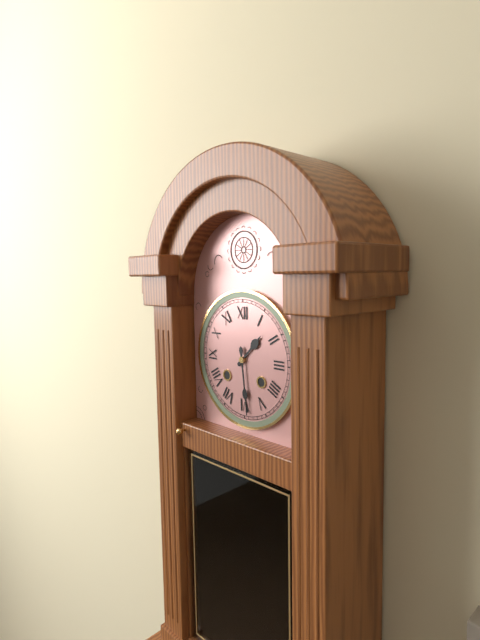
1:29
